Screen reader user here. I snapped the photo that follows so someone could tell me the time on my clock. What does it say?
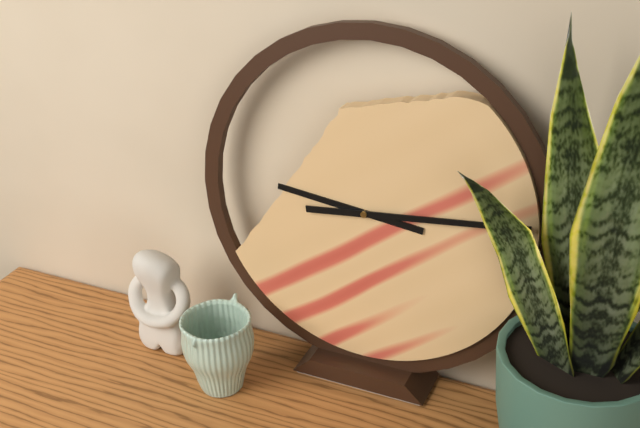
9:14
